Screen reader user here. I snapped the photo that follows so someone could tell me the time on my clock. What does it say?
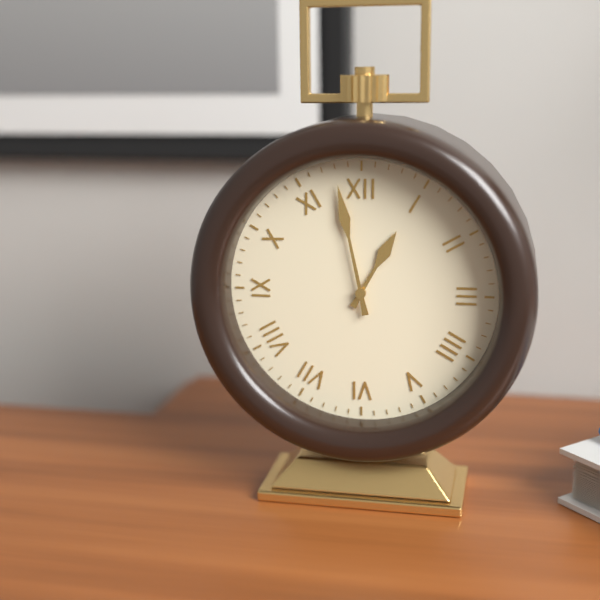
12:58
